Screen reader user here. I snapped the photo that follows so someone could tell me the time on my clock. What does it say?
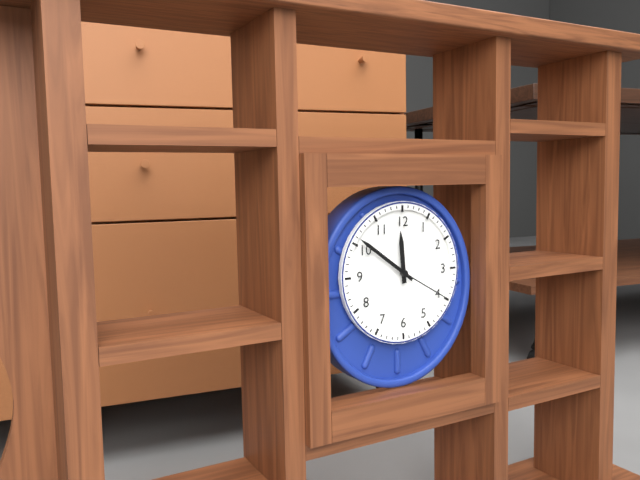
11:51:20
